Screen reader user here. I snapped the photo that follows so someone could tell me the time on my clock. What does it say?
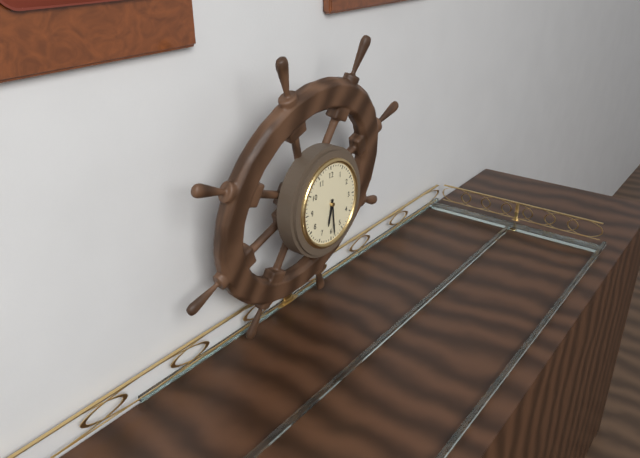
6:29
